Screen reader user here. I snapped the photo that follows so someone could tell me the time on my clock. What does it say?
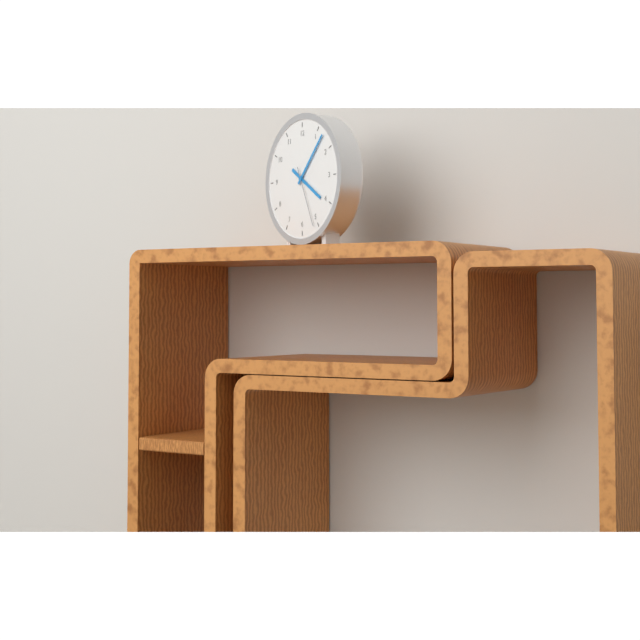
4:07:26
